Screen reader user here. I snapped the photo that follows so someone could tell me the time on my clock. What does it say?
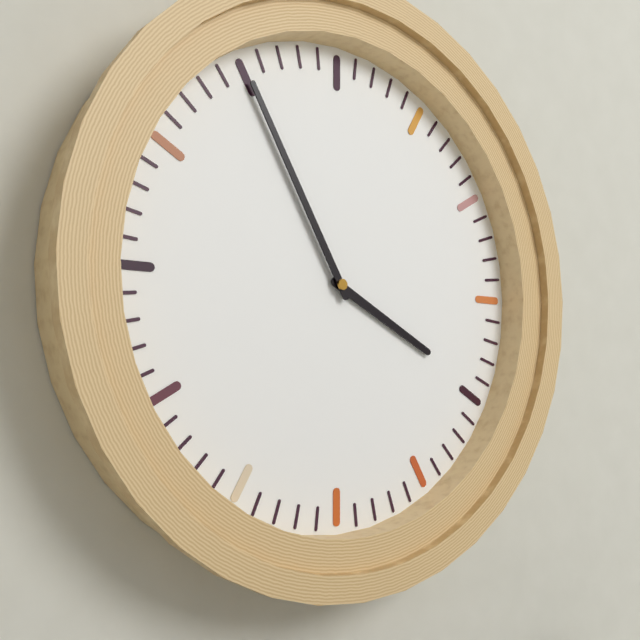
3:55
